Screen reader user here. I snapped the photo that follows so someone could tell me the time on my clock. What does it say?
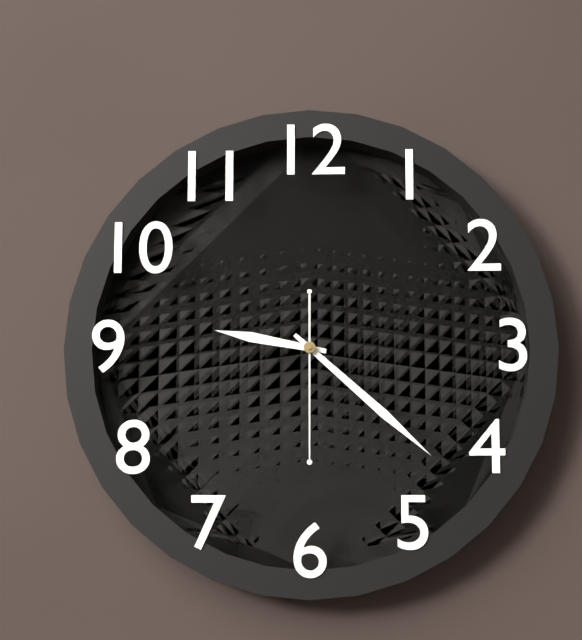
9:22:30
